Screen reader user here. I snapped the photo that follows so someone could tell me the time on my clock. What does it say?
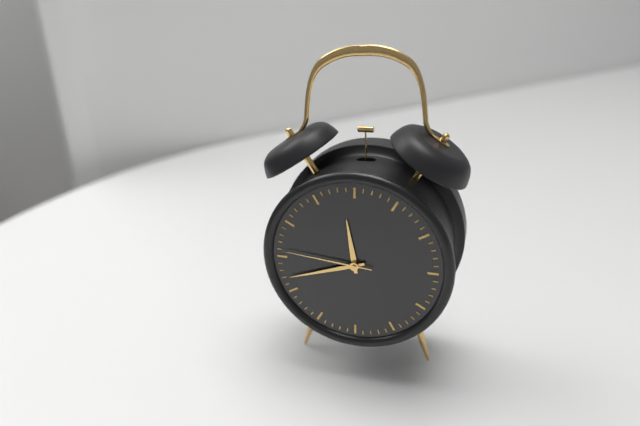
11:42:46
